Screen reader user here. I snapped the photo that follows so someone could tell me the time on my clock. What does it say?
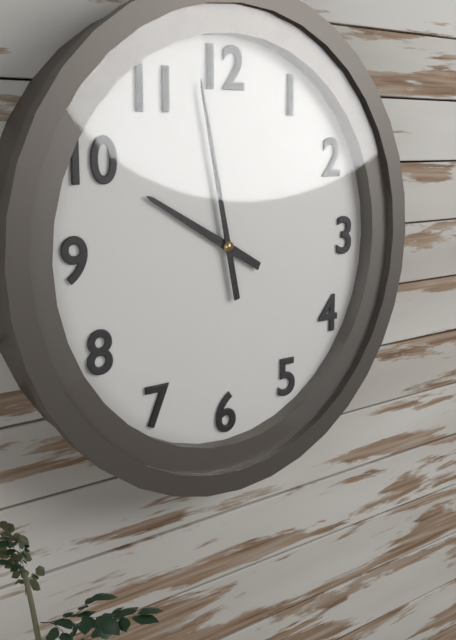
9:58
